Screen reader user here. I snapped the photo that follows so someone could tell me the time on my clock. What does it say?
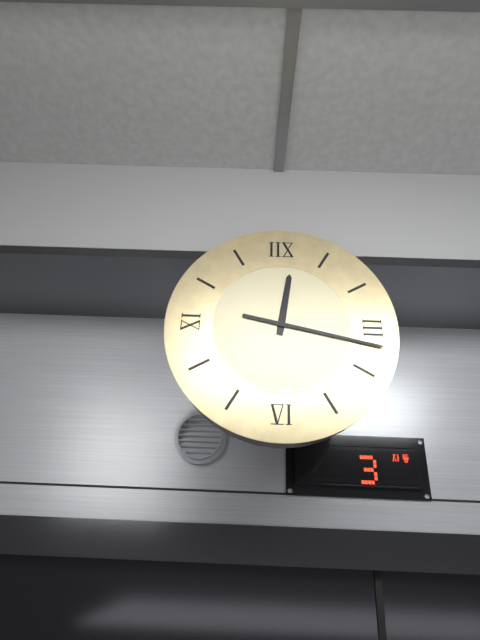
12:17
